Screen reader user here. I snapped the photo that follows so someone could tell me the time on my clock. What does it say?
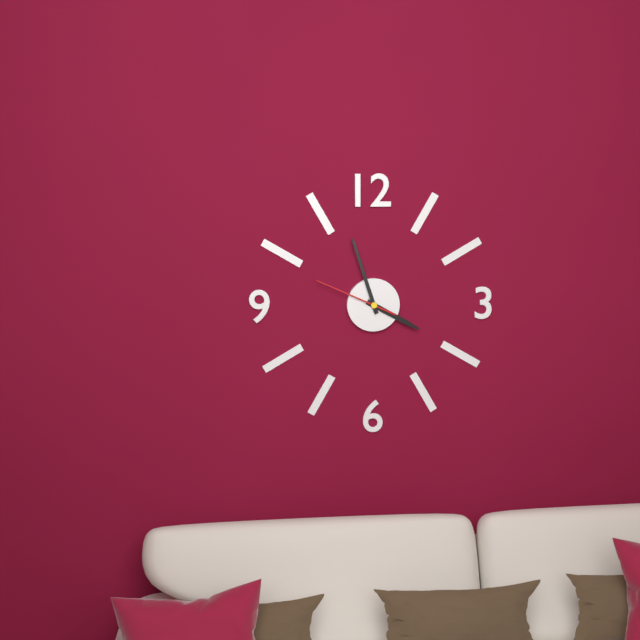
3:57:49
